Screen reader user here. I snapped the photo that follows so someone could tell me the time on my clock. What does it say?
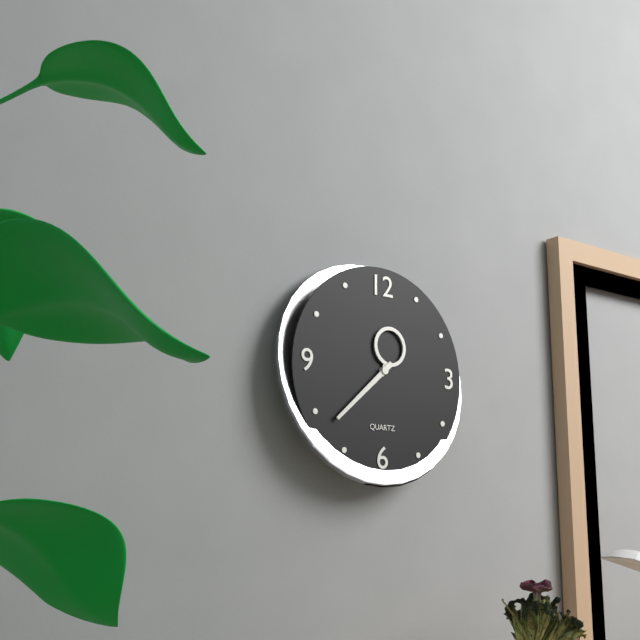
12:38
